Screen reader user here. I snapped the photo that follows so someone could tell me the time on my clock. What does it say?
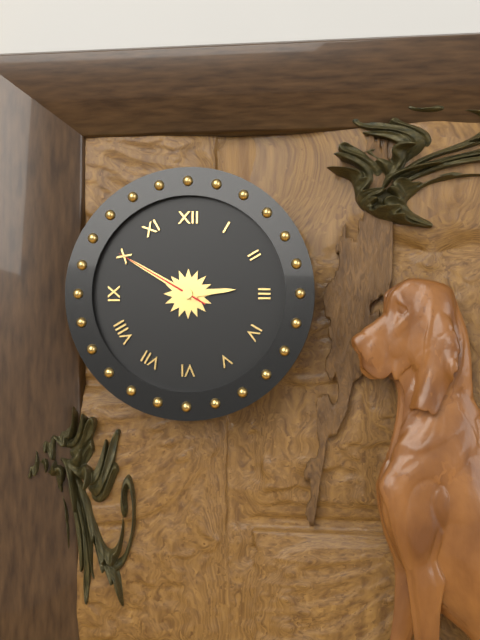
2:50:50
